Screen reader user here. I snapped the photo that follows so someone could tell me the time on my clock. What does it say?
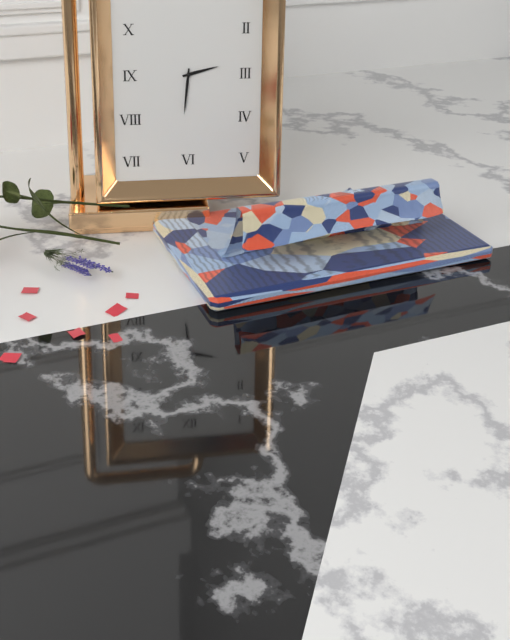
2:31
